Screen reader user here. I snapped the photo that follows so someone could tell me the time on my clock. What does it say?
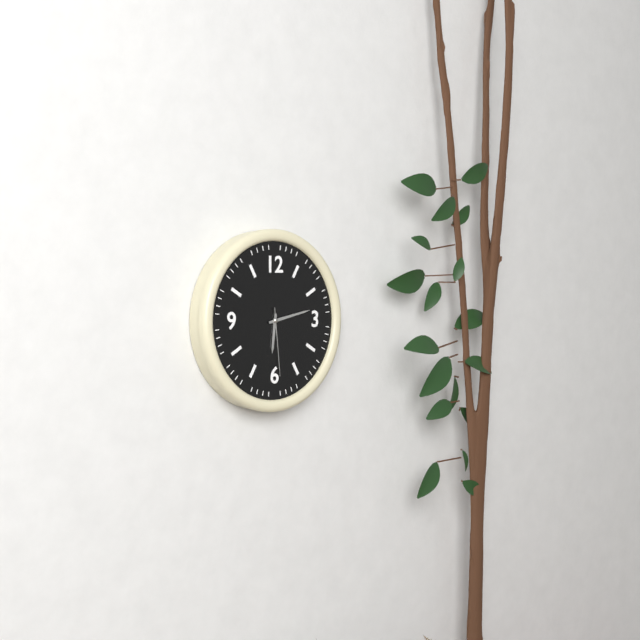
6:13:29
